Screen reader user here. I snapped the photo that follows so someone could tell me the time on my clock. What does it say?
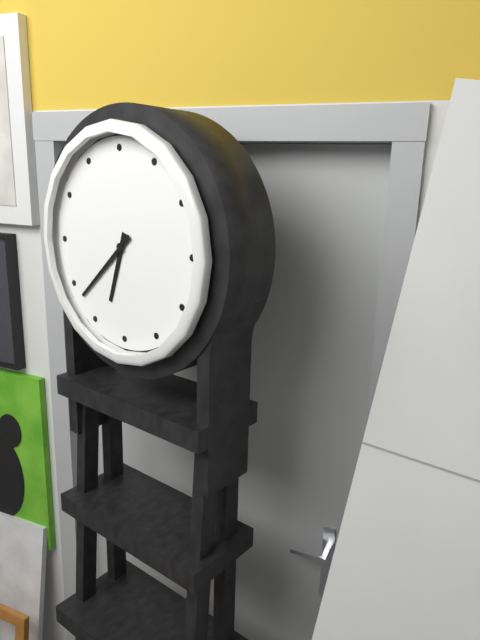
6:38
